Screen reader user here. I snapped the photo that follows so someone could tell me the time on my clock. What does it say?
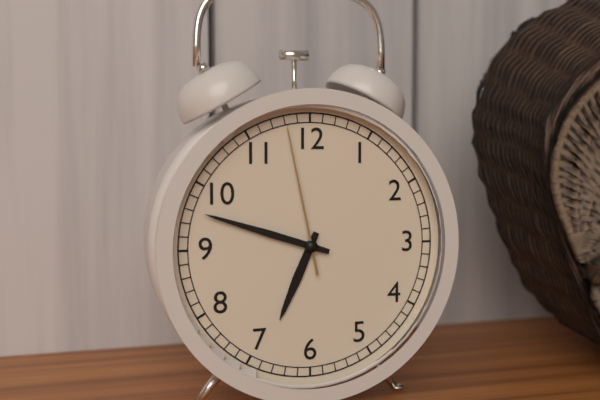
6:48:58
